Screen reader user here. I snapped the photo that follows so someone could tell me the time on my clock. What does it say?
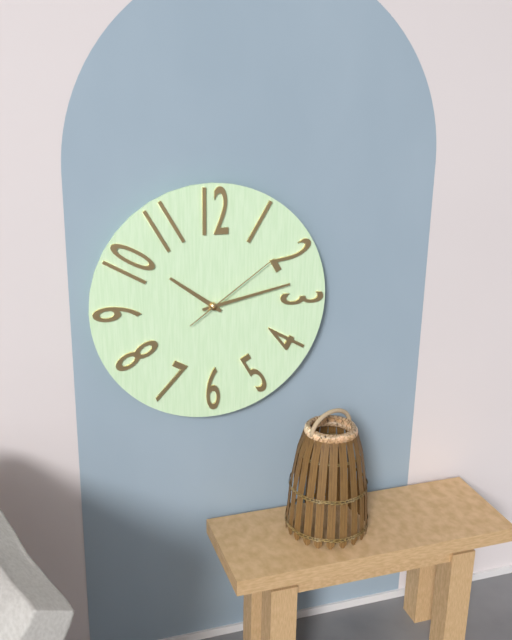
10:13:09
